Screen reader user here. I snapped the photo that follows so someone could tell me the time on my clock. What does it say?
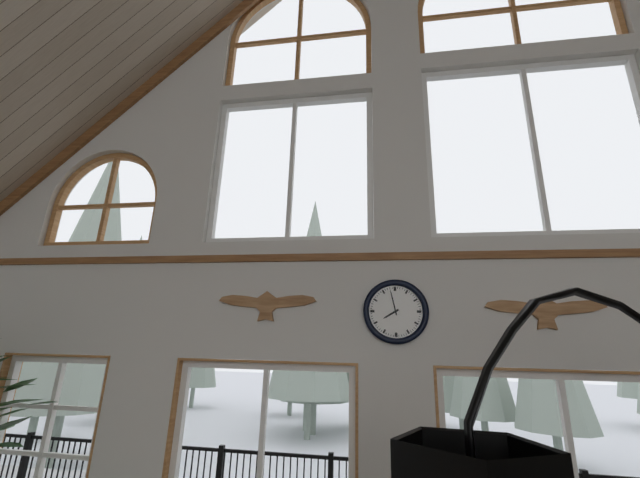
7:58
